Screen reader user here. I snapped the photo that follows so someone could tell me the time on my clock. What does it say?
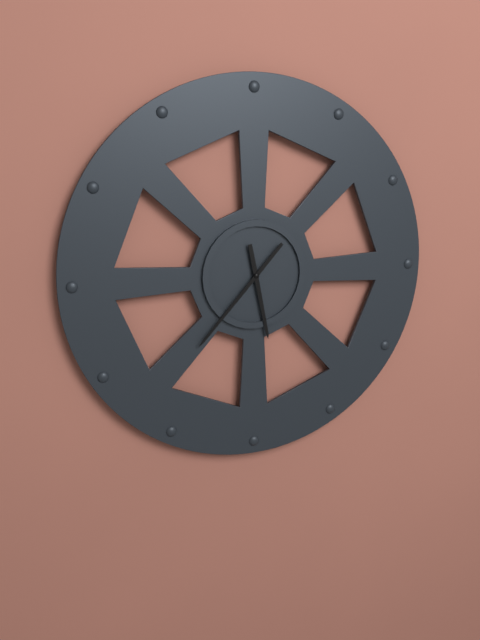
5:37
